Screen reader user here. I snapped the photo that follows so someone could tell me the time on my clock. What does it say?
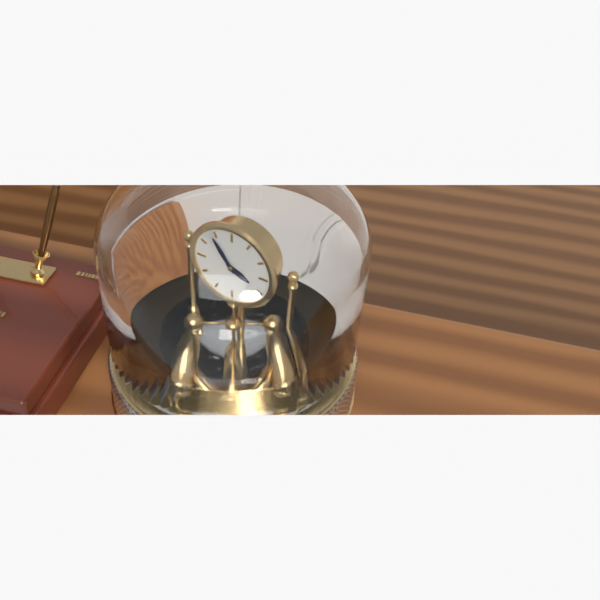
3:54
